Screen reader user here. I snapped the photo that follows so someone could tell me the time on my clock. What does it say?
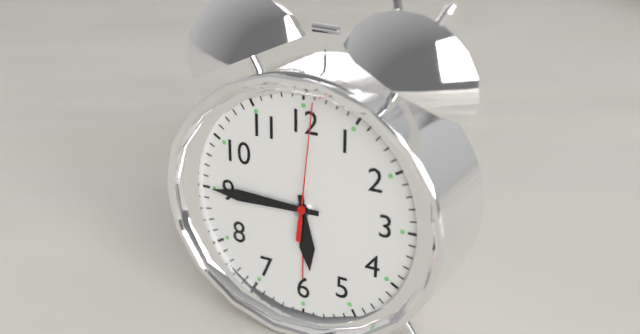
5:45:01
